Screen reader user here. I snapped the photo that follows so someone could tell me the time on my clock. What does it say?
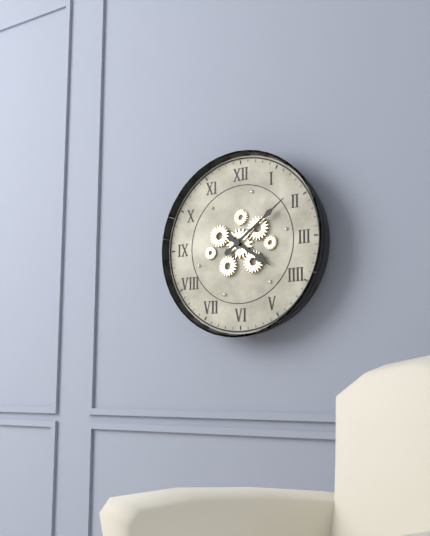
4:09
